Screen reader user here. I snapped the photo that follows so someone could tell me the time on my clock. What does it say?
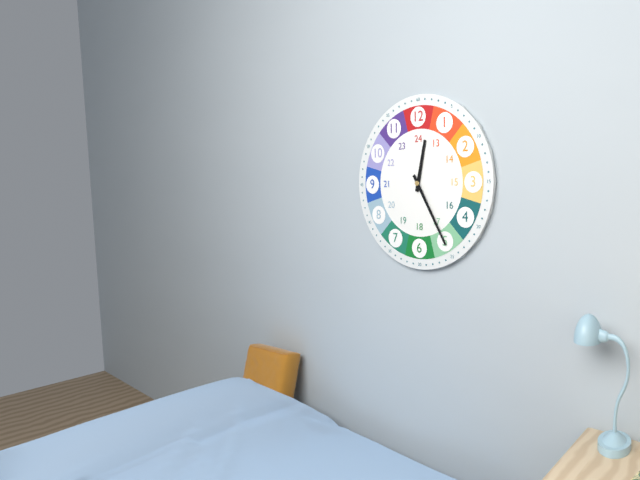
12:25
